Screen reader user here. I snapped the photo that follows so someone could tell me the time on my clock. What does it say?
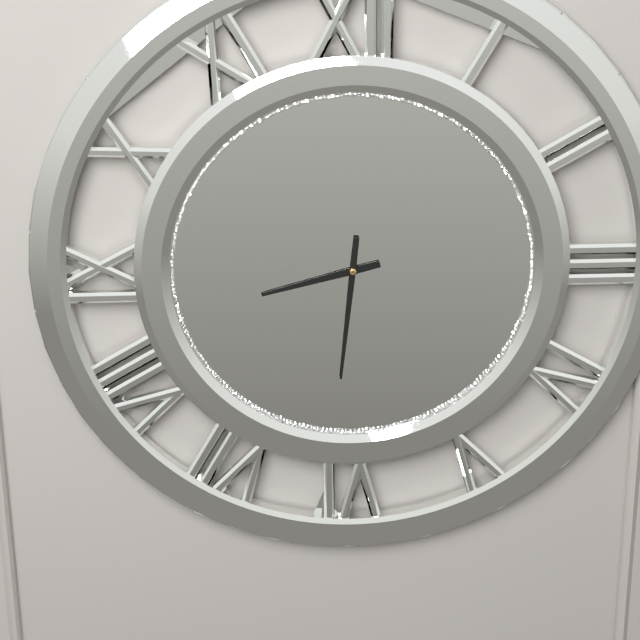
8:31
